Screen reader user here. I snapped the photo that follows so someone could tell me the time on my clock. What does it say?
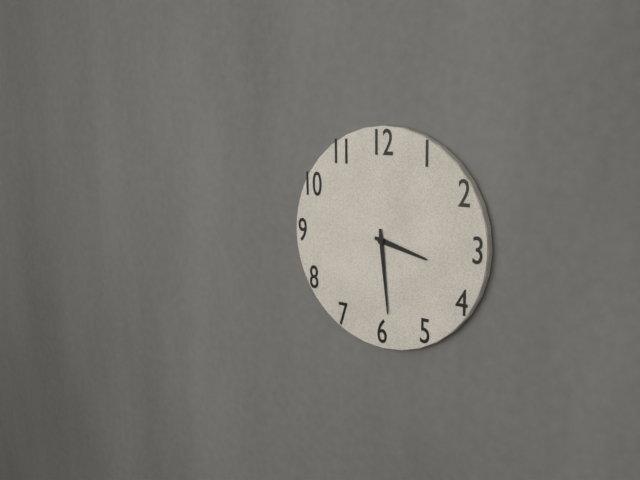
3:29
